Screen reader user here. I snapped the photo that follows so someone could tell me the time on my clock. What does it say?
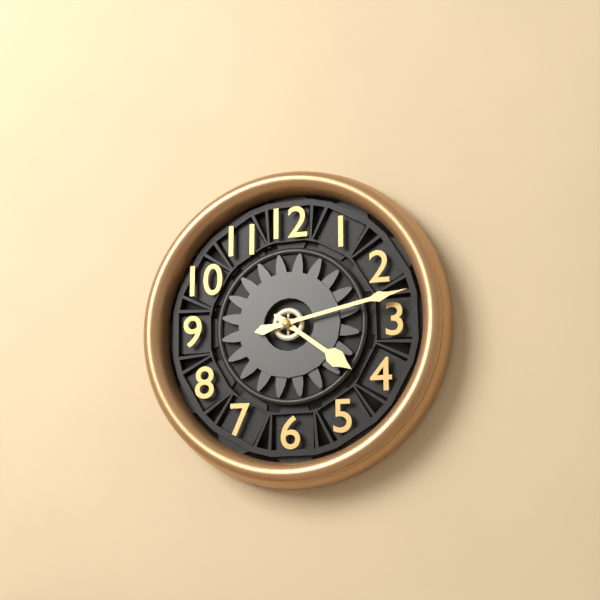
4:13
